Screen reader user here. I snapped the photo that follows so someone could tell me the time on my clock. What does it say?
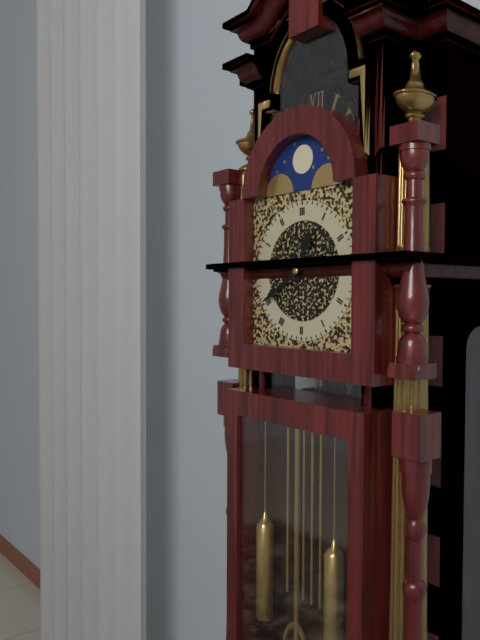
12:40
